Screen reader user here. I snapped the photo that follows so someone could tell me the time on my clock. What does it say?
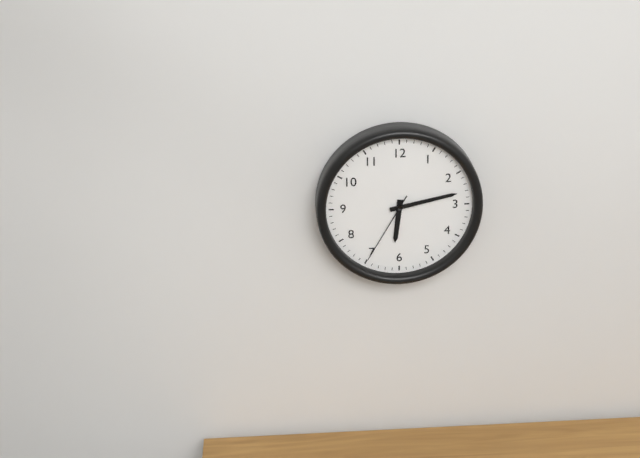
6:13:35
